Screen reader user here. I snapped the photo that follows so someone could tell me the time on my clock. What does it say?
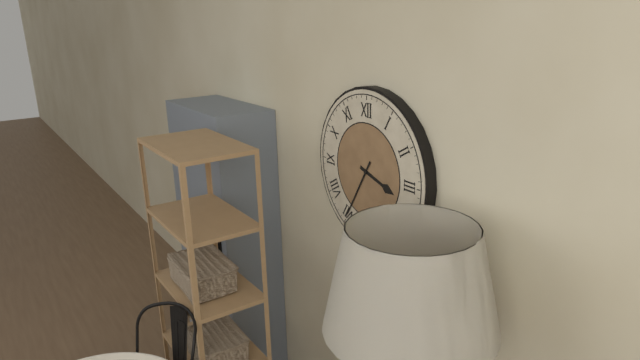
3:35
